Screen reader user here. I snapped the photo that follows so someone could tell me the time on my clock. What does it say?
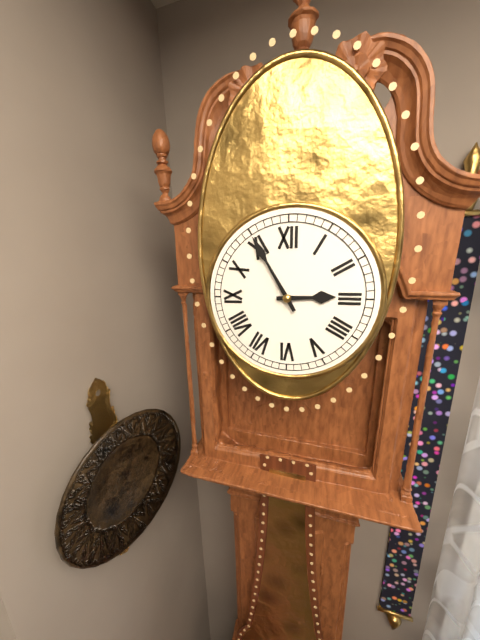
2:55
